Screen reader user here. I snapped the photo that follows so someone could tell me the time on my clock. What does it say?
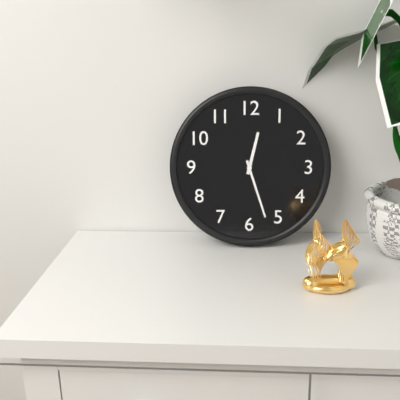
12:27
